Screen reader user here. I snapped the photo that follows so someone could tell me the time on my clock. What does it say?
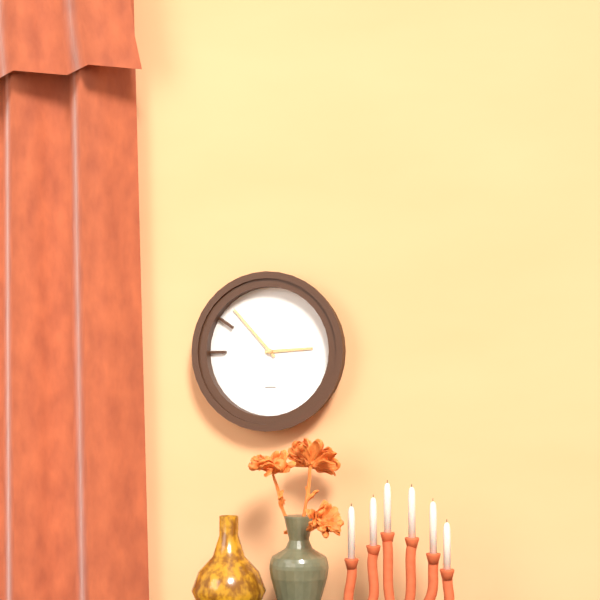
2:53
